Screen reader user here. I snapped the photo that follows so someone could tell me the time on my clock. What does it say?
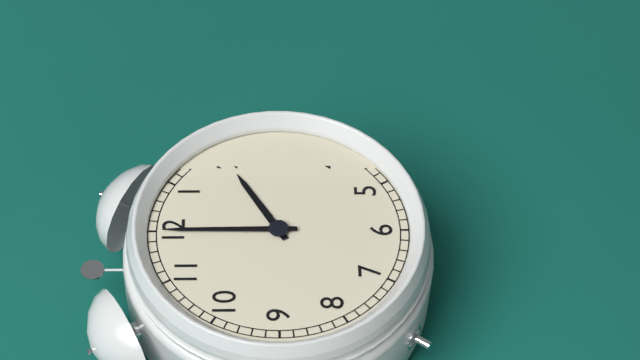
2:00
